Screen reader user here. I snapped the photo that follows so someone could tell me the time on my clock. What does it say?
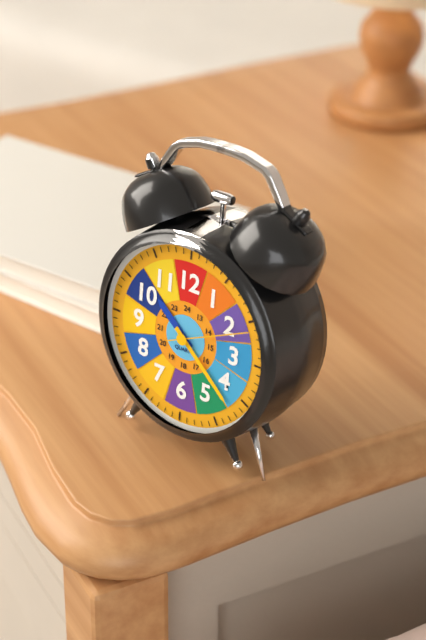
10:22:11
